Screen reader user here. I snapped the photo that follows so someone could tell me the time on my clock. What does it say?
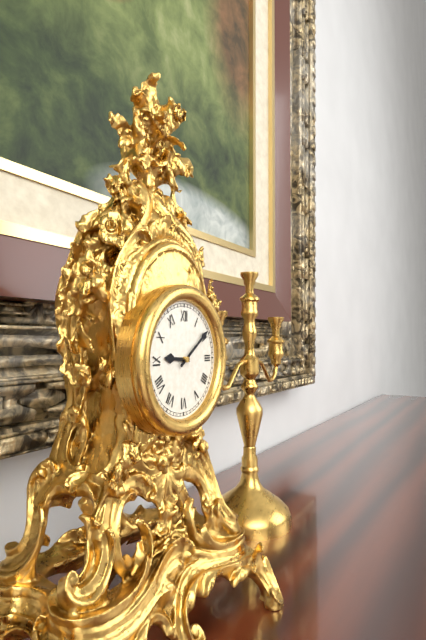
9:09
